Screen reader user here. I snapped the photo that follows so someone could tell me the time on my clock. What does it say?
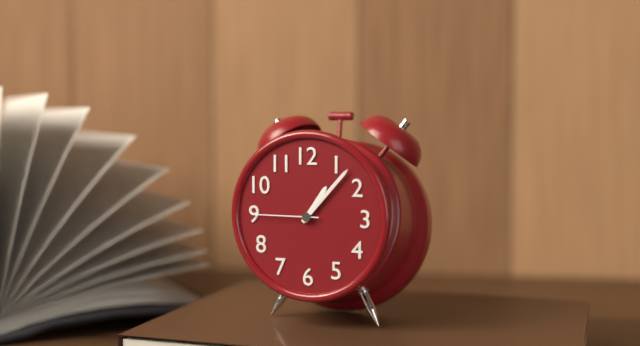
1:07:45
